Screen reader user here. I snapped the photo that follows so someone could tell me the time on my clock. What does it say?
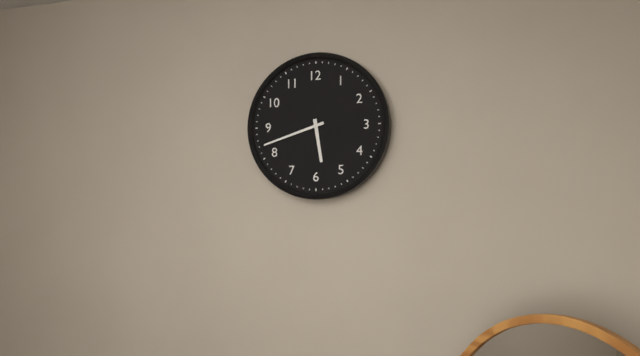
5:42
